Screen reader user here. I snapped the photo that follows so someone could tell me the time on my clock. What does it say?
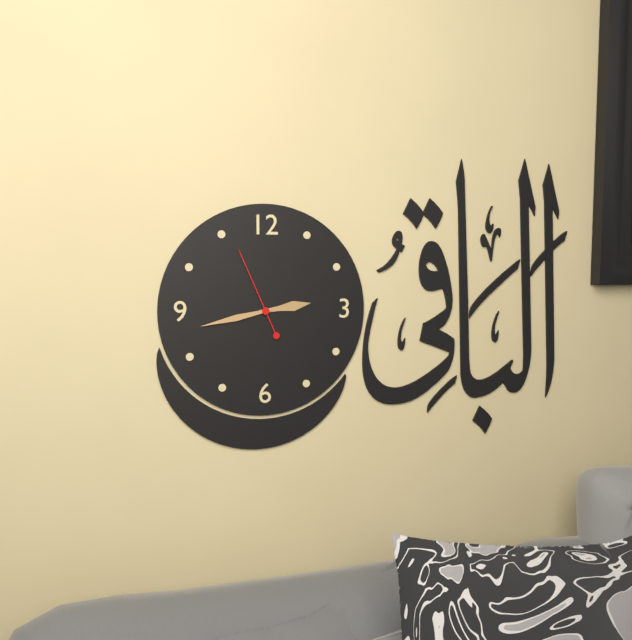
2:43:56
